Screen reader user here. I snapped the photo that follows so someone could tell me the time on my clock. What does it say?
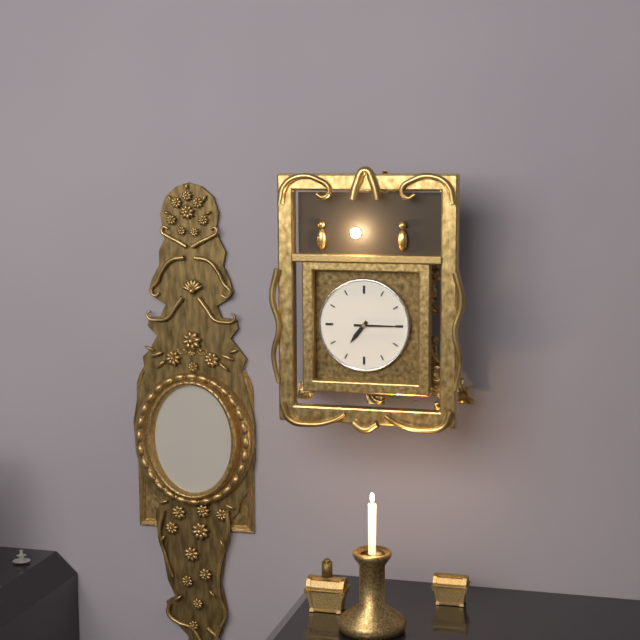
7:15
